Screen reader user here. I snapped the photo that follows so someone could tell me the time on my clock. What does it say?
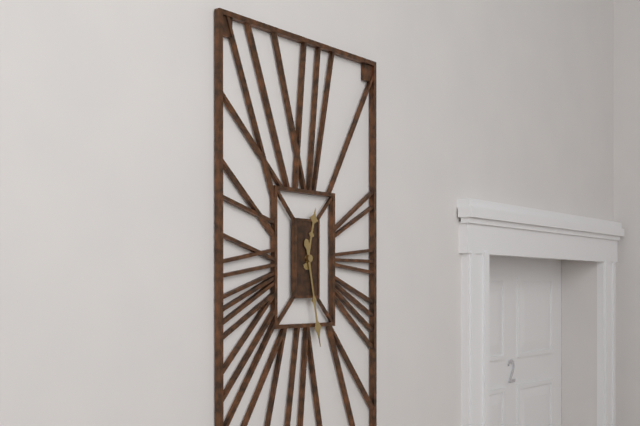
12:28
